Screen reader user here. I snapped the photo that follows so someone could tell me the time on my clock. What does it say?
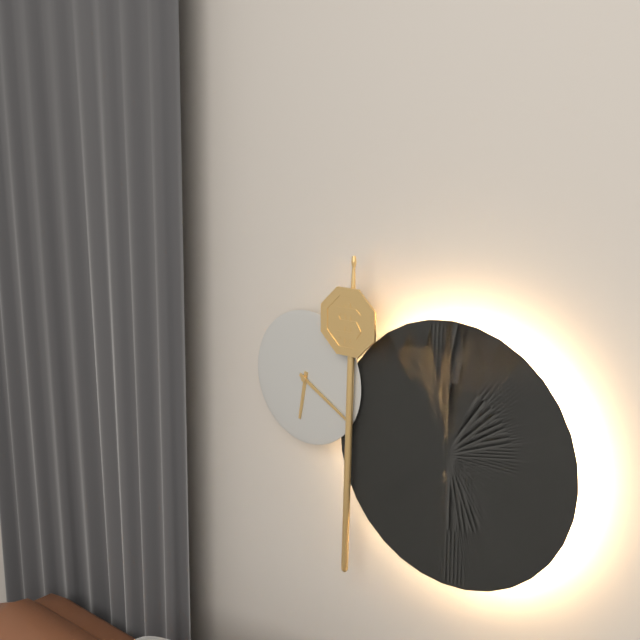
6:20
